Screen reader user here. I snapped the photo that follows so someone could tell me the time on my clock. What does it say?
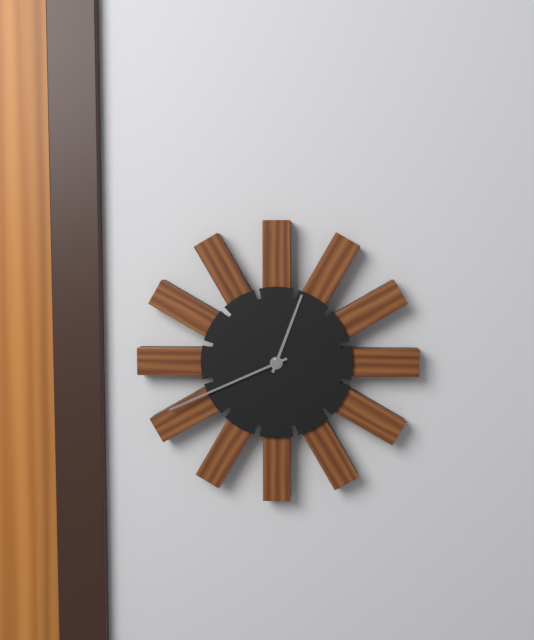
12:41
